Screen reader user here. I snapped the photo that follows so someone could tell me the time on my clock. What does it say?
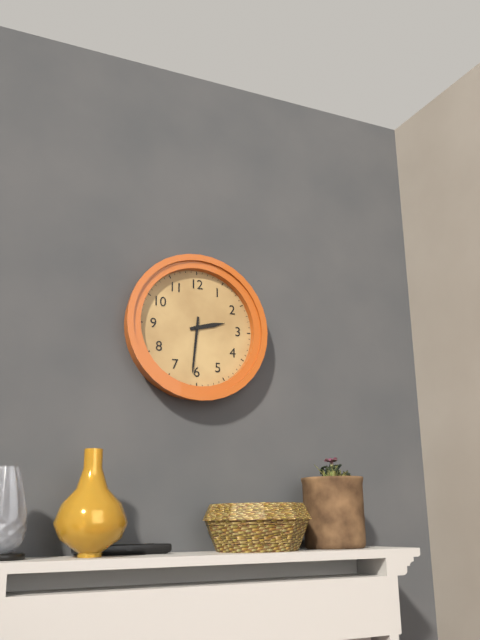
2:31
